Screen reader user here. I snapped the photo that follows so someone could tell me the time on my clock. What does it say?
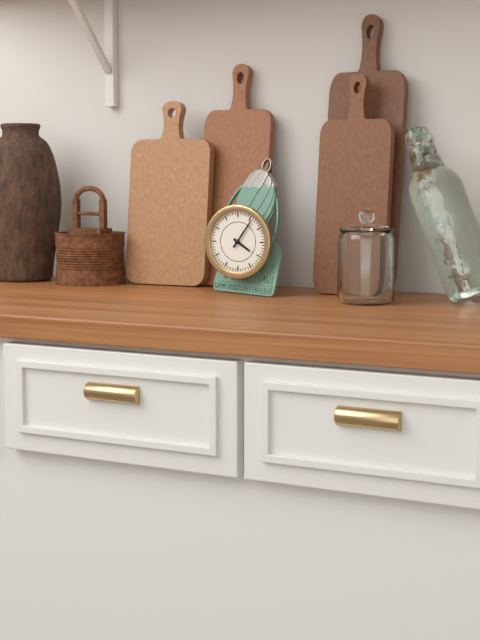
4:06
